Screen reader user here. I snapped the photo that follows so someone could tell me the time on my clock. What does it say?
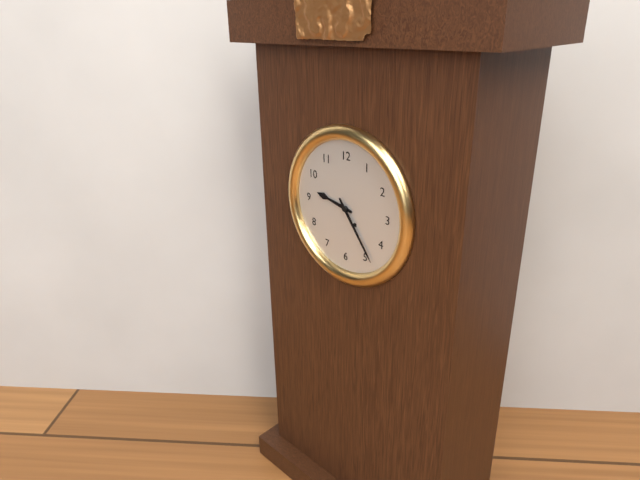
9:24
